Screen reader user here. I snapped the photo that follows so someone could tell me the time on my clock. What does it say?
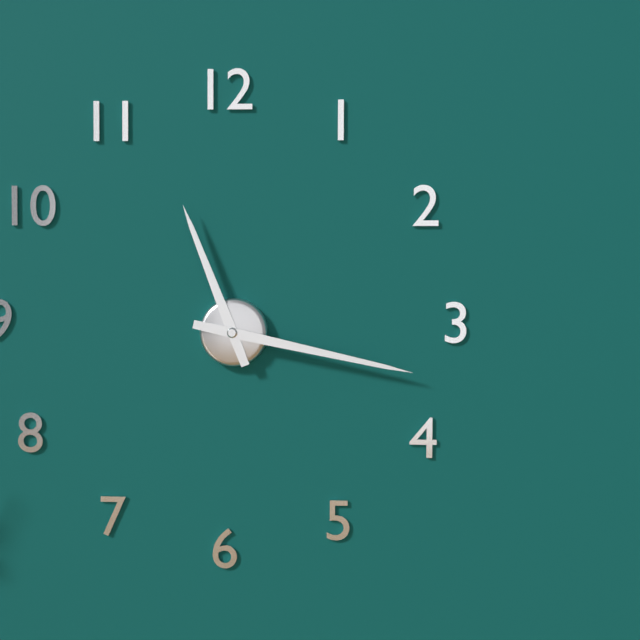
11:17
